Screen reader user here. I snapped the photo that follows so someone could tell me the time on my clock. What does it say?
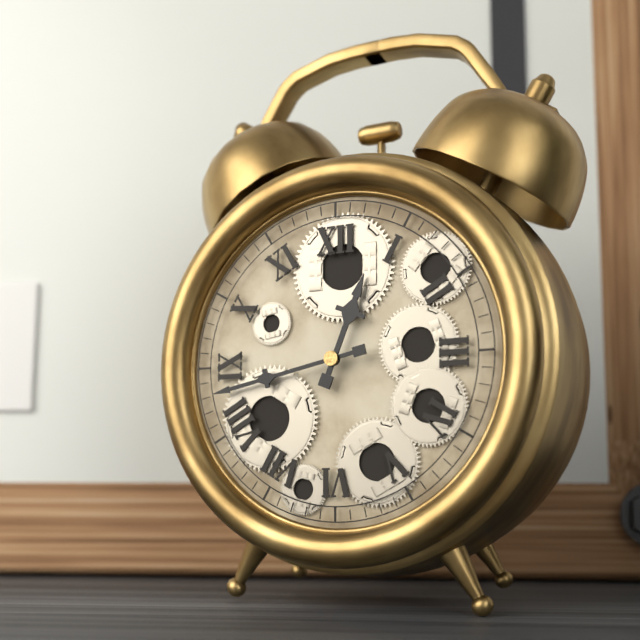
12:43
